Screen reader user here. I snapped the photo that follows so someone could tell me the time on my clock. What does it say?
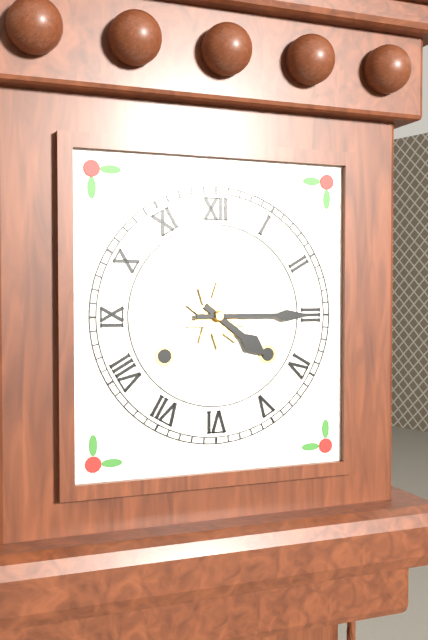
4:15
